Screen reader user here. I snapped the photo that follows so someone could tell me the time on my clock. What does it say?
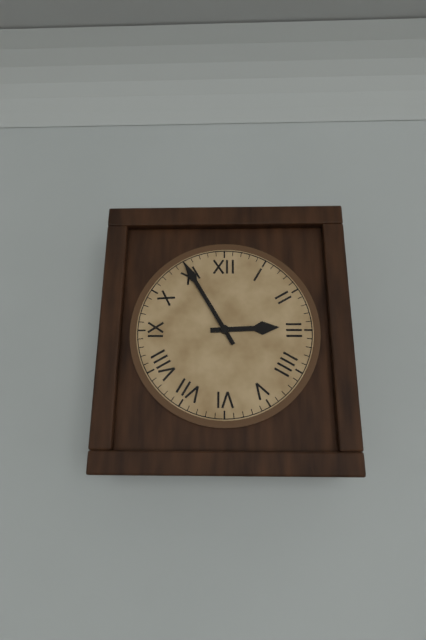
2:55
